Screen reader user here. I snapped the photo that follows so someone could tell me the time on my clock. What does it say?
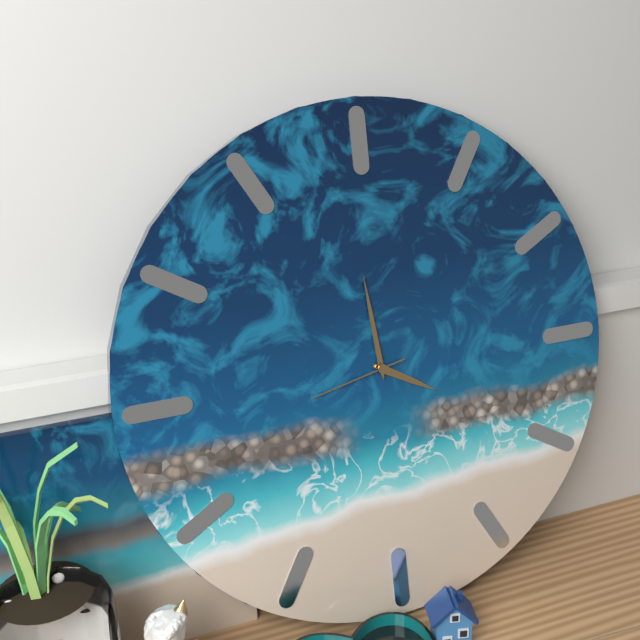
3:59:43
